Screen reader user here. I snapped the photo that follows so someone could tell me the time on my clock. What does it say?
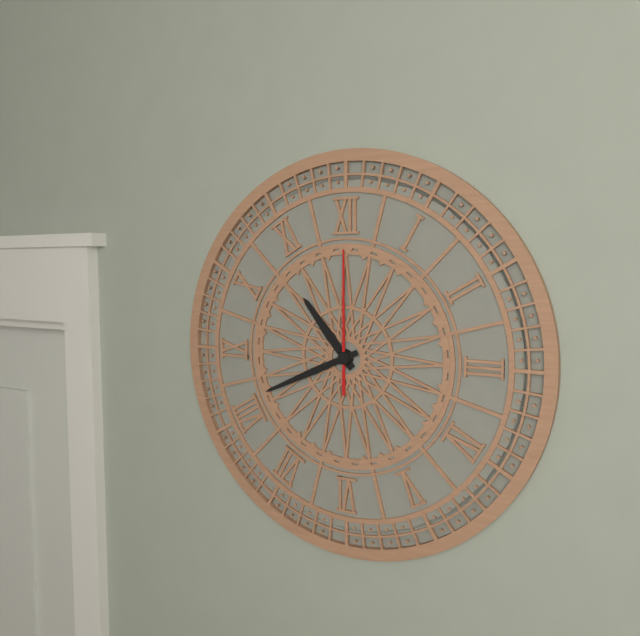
10:41:00
